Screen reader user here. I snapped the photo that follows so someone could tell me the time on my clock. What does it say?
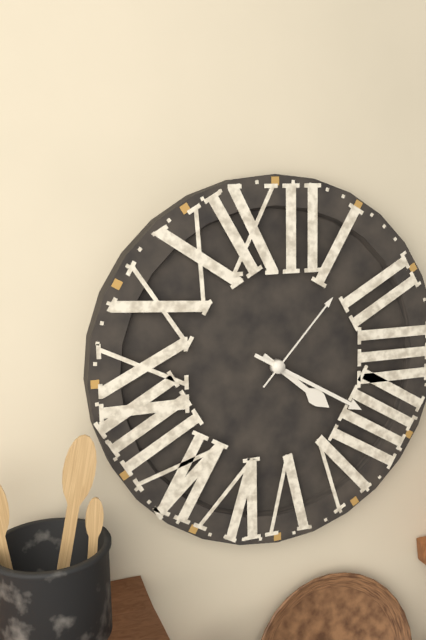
4:20:07
